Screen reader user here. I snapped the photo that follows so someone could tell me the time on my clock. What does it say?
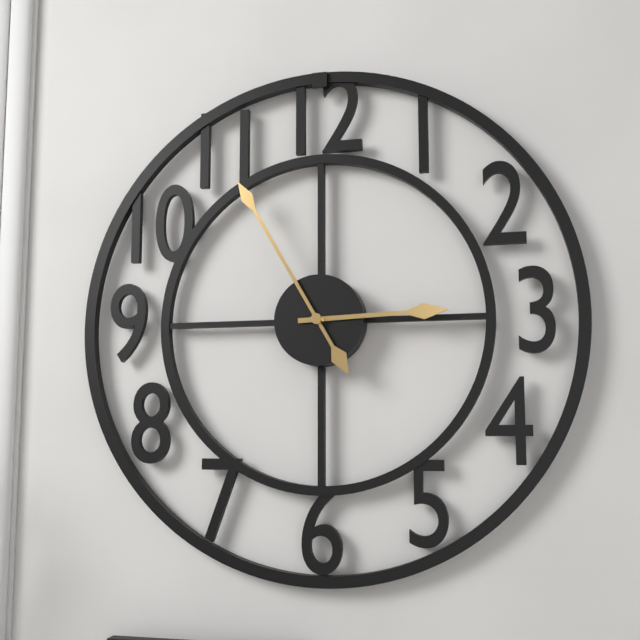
2:55
